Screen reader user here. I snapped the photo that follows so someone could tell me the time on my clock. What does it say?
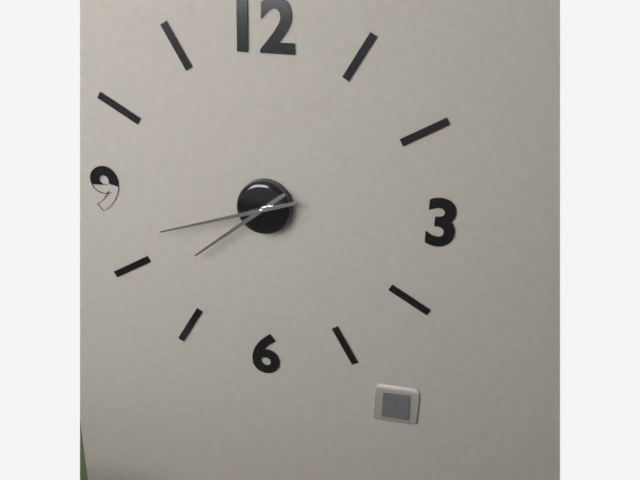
7:42
